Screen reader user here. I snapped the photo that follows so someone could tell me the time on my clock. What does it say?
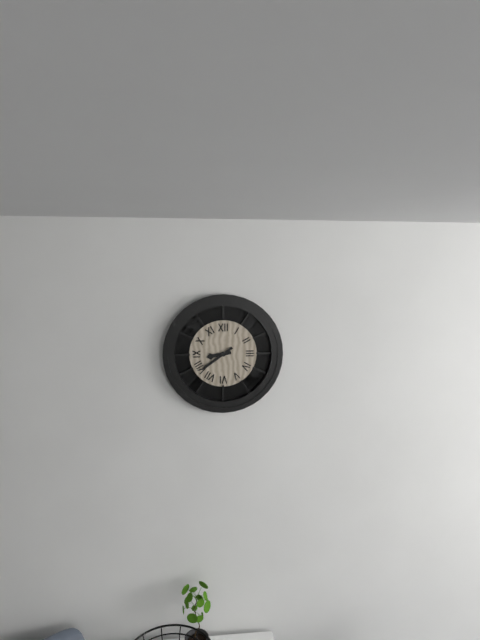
8:39
